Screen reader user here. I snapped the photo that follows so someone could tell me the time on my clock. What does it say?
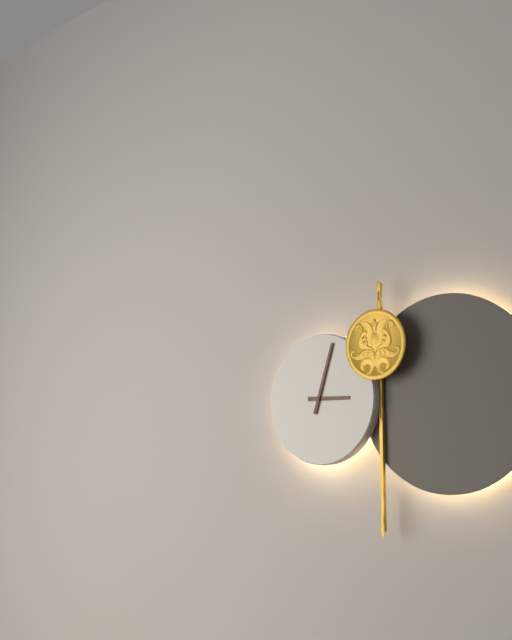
3:03
